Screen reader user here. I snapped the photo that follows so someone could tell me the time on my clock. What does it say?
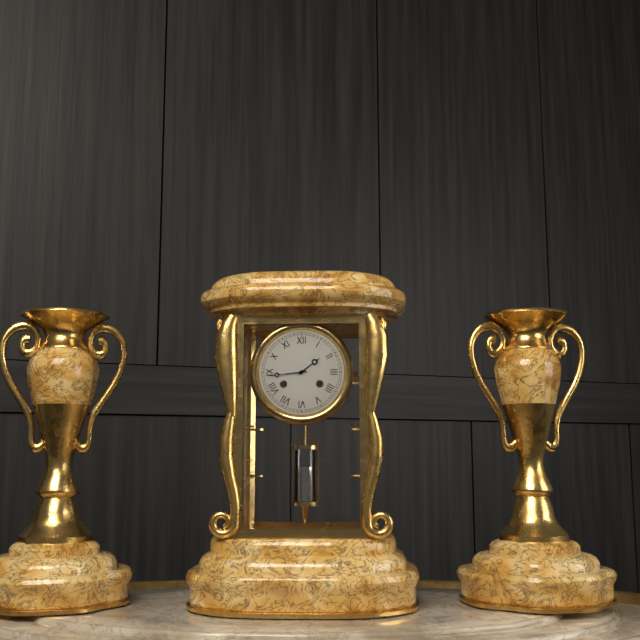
1:44
